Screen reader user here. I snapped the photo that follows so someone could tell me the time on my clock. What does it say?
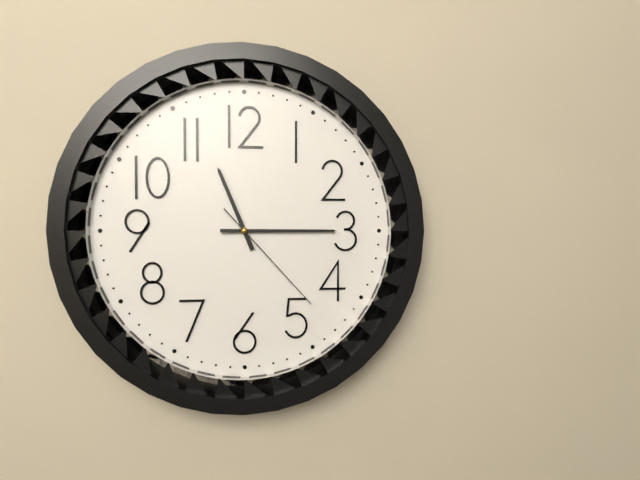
11:15:23
